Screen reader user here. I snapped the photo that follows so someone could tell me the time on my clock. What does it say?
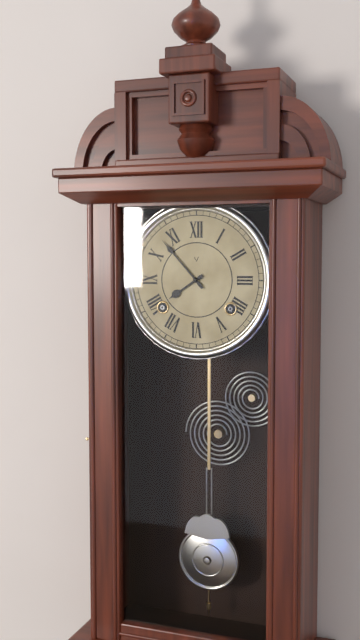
7:53
